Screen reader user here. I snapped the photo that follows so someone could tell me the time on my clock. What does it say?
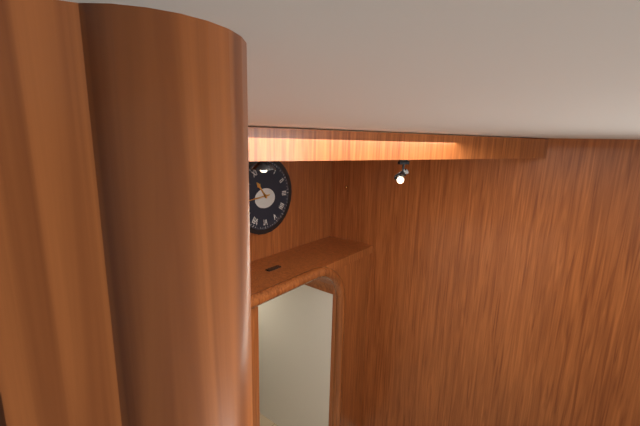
10:44
